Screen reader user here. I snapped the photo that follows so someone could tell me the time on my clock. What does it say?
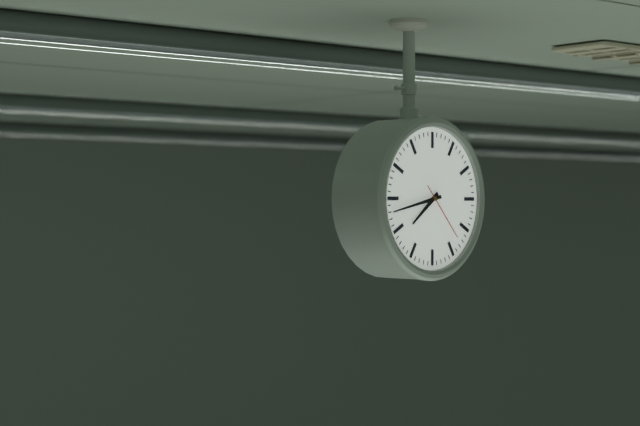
7:43:23
